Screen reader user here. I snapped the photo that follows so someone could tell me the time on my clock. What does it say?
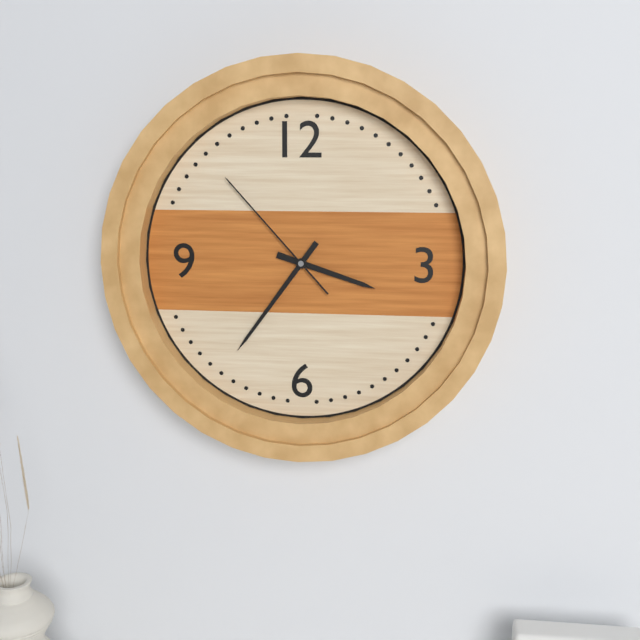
3:36:53
